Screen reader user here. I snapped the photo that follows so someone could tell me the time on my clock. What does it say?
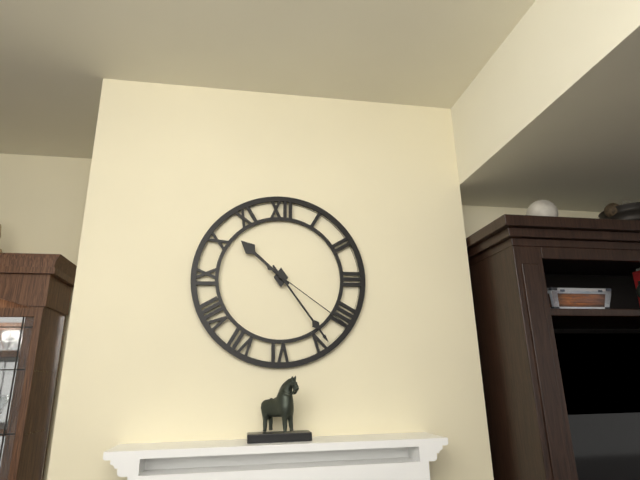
10:24:21
